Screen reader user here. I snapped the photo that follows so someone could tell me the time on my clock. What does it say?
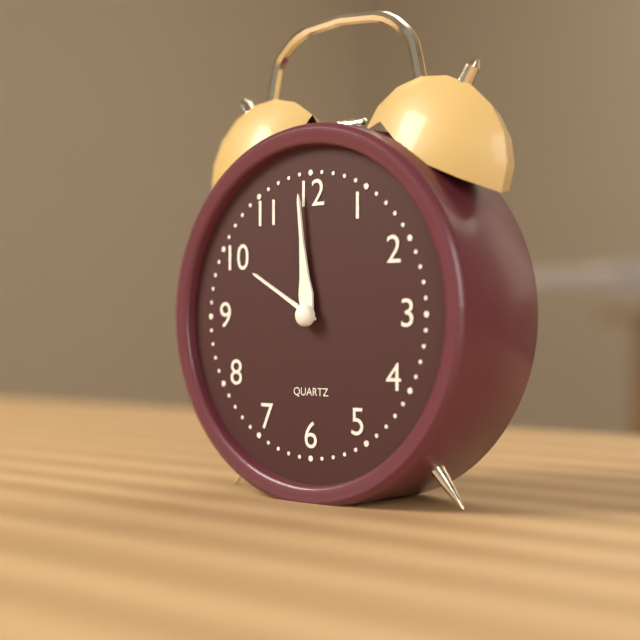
9:59
